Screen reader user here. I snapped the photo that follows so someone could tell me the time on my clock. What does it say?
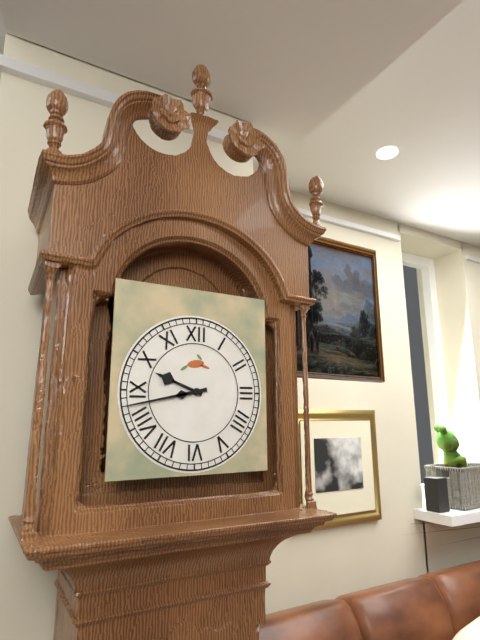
9:43
